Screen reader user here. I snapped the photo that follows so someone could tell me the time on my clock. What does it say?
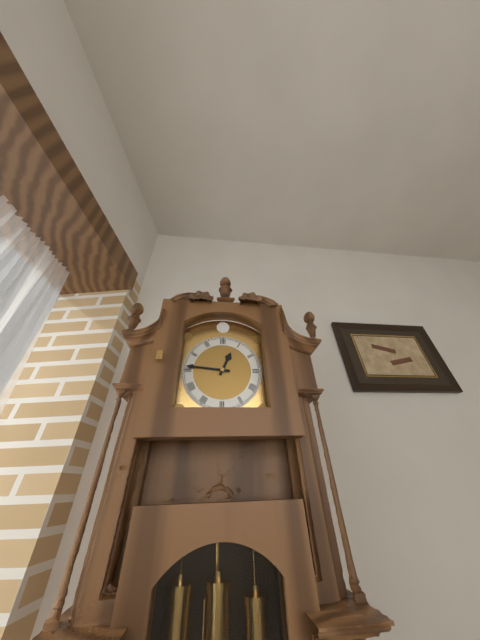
12:46
